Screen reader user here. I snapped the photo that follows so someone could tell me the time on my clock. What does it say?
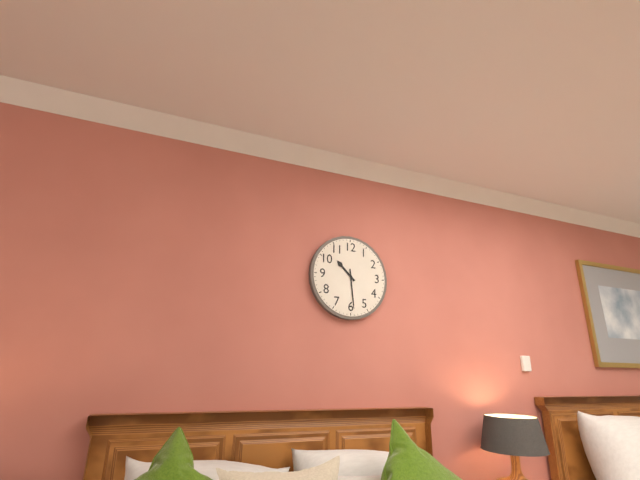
10:29
